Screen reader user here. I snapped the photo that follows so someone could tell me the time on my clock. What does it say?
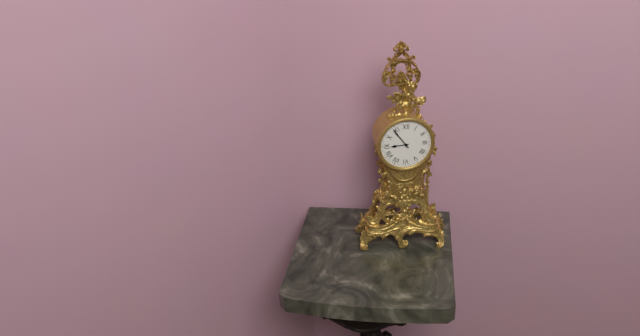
8:54
